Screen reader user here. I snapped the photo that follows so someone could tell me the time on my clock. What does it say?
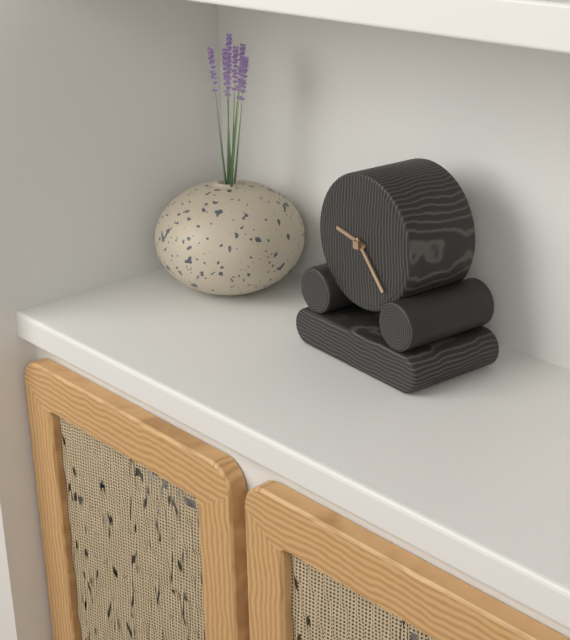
9:23
